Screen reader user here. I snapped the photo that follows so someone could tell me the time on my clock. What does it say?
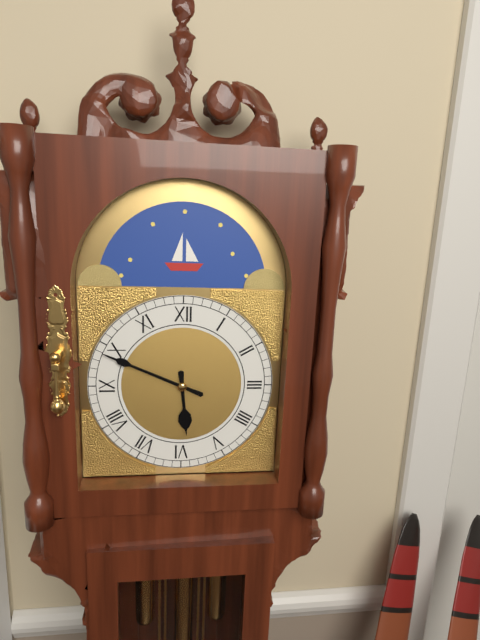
5:49
